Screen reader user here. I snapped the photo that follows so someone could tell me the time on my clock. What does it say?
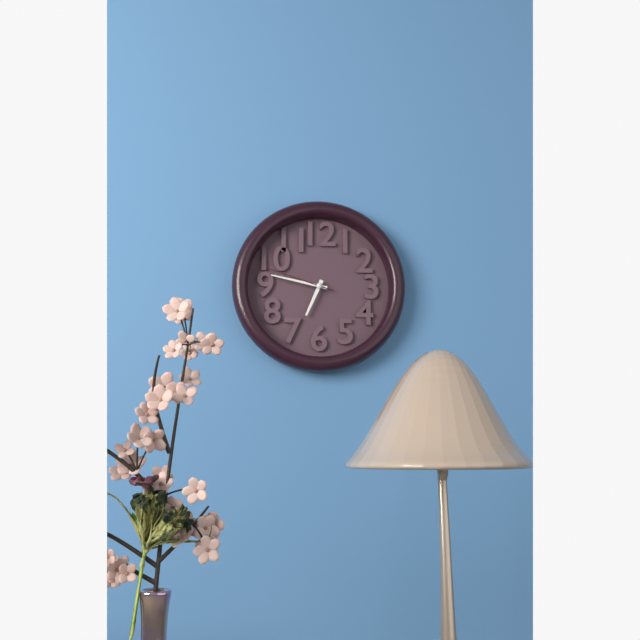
6:47:48
